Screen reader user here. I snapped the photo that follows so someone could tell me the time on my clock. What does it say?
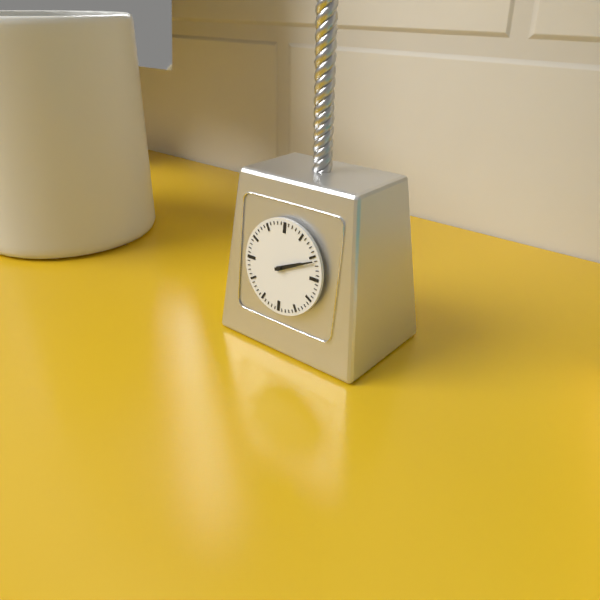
2:11
